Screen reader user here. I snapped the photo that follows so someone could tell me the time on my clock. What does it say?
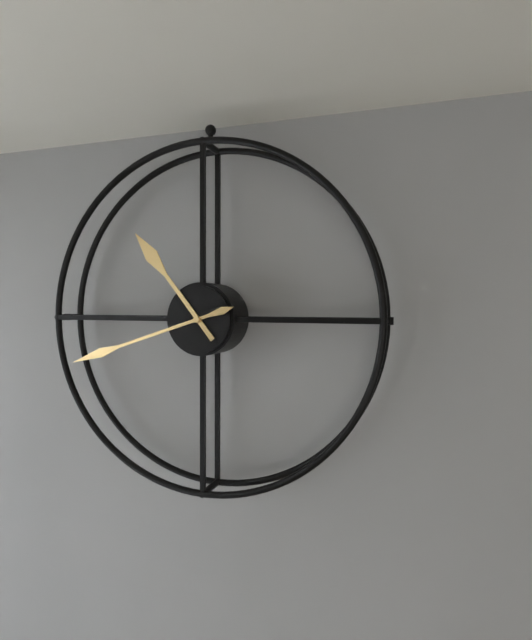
10:42
